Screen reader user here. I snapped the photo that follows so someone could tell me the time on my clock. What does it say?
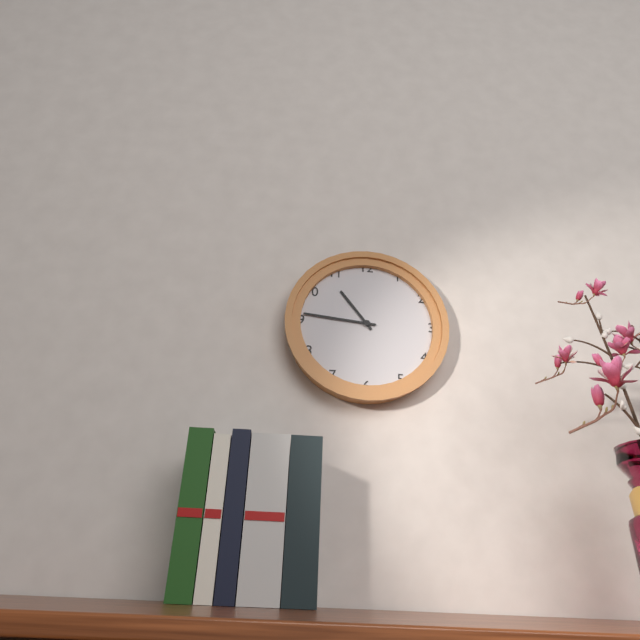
10:46
